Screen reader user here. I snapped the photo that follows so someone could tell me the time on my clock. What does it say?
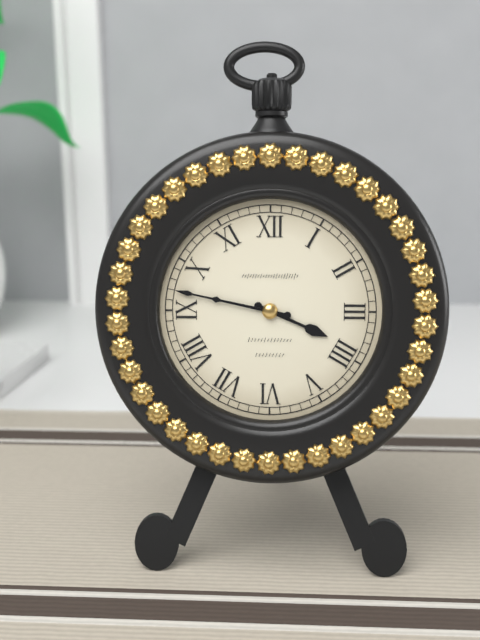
3:47
